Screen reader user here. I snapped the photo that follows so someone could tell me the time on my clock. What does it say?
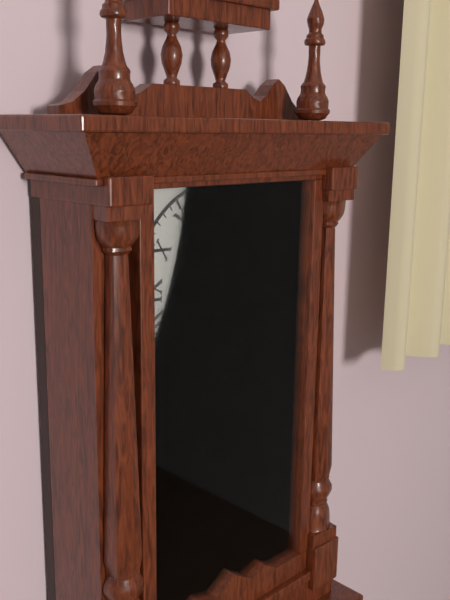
1:28
